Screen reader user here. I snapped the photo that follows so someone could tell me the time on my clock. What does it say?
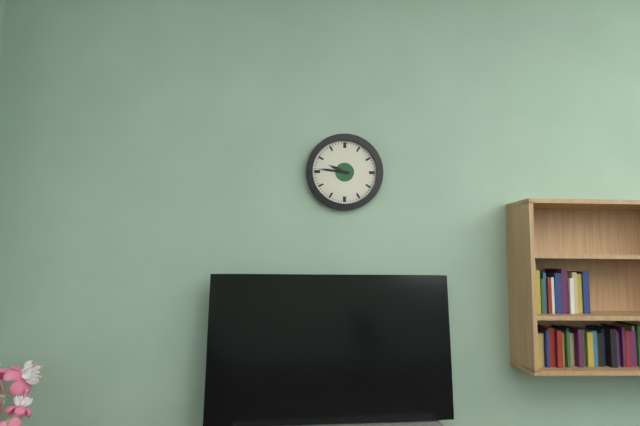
9:46
